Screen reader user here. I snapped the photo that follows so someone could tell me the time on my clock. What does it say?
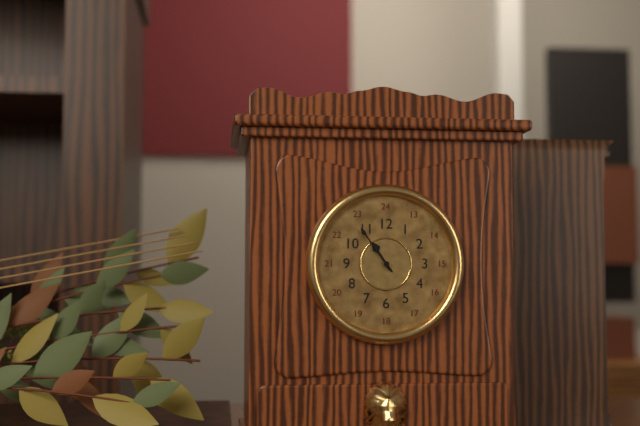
10:54
